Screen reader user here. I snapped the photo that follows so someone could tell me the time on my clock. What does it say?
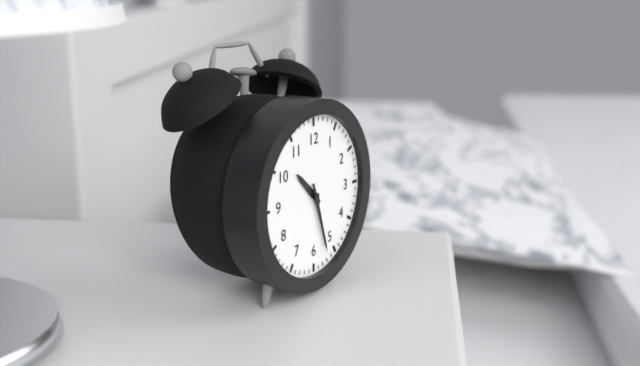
10:27
